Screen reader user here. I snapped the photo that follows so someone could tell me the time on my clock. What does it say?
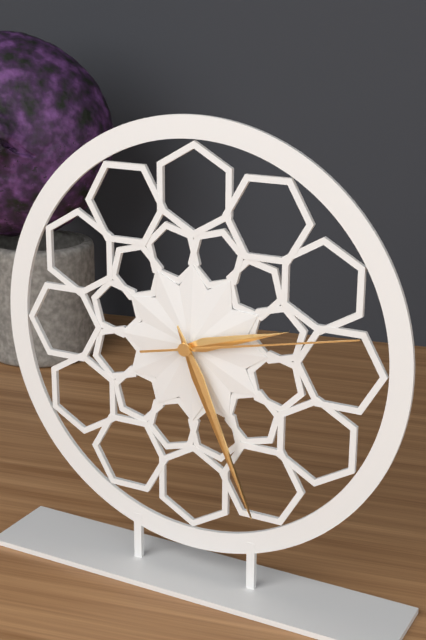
2:26:13
